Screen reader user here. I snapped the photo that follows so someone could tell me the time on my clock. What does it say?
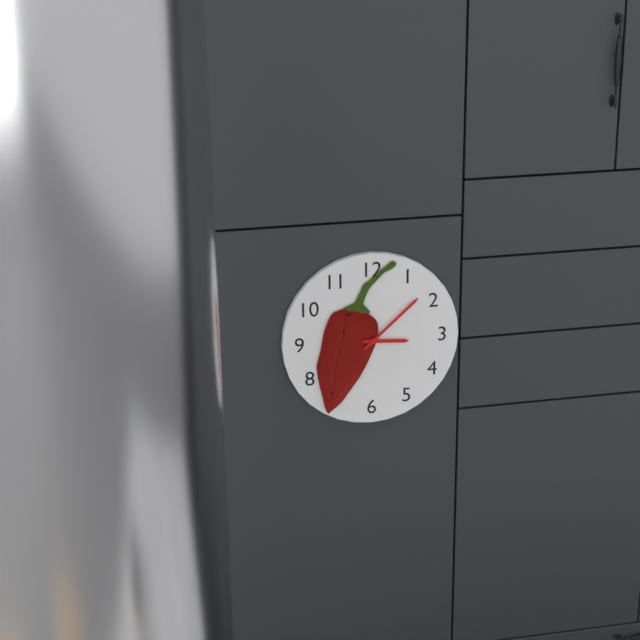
3:08
